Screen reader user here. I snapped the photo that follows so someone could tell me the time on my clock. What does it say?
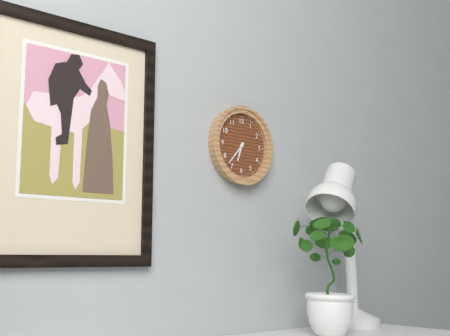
6:37
